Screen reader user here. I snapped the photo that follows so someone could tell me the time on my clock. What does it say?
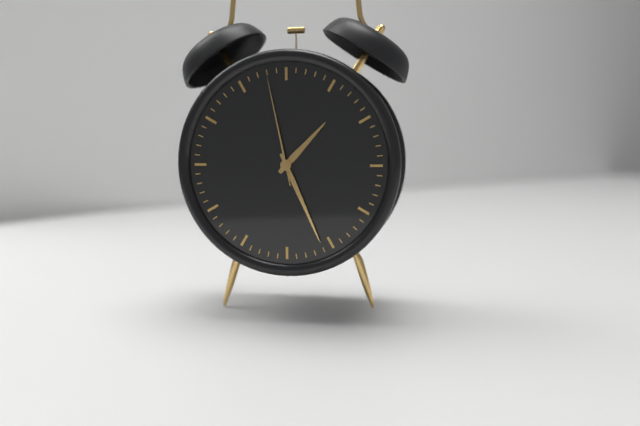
1:26:58
